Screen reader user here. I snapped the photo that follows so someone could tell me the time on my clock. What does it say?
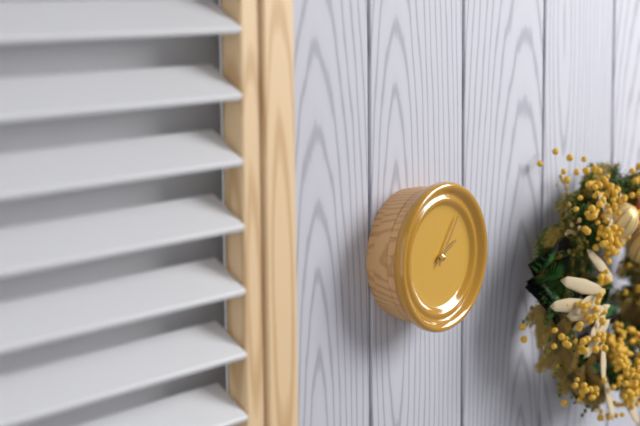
2:06
